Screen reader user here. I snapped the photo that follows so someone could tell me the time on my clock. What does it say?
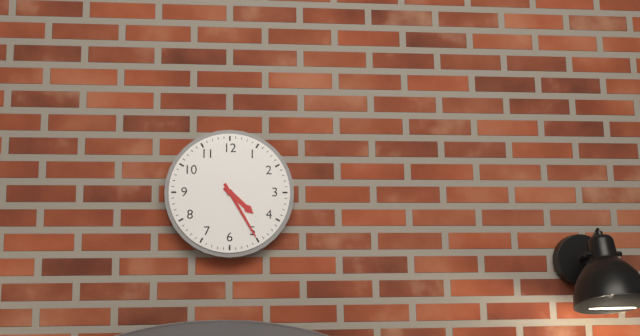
4:25
